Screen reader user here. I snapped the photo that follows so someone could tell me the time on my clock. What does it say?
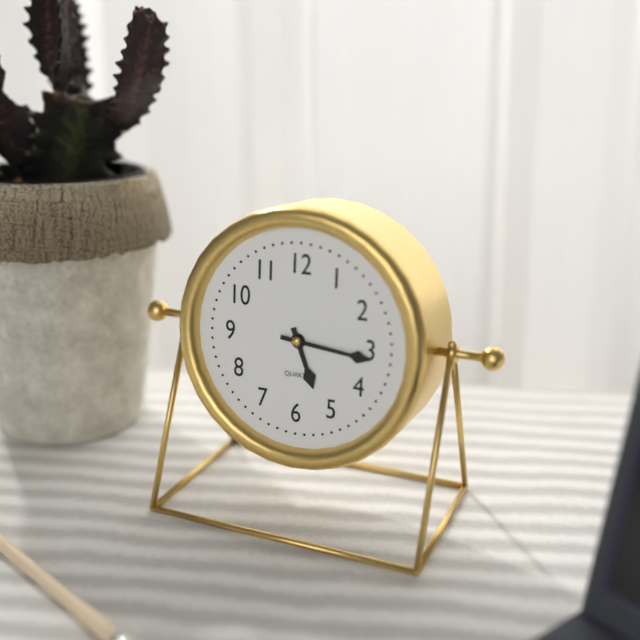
5:16
